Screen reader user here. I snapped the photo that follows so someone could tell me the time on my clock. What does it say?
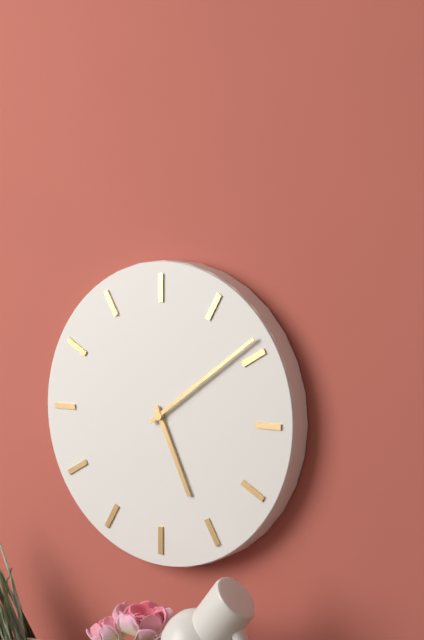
5:09
